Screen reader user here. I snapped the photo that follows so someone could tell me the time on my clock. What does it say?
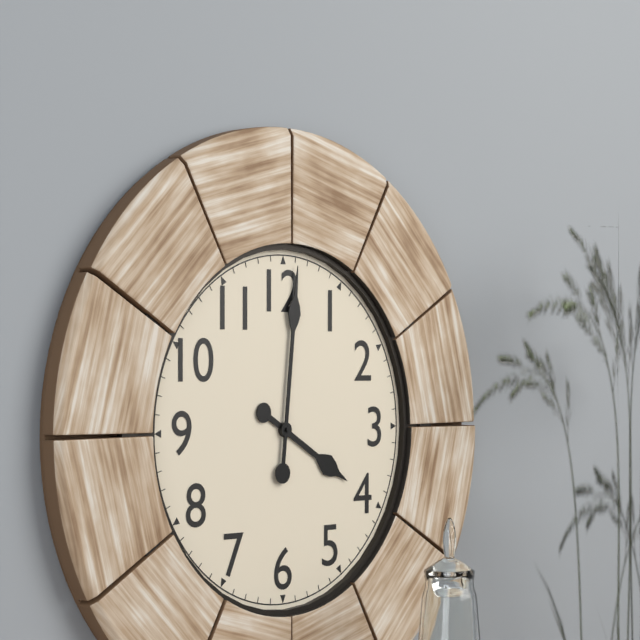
4:01
